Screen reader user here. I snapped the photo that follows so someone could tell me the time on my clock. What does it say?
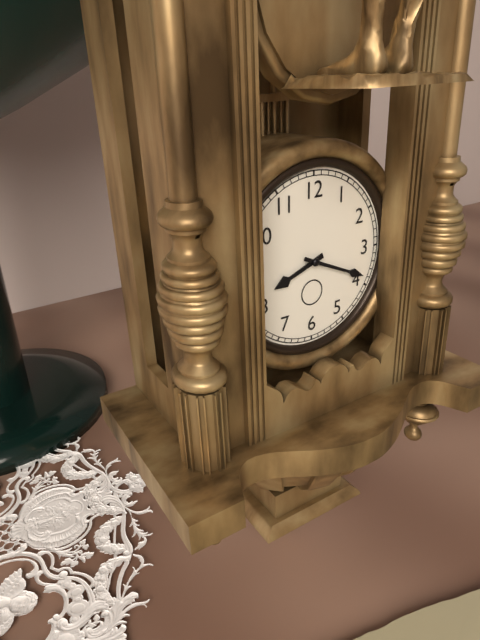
8:19
